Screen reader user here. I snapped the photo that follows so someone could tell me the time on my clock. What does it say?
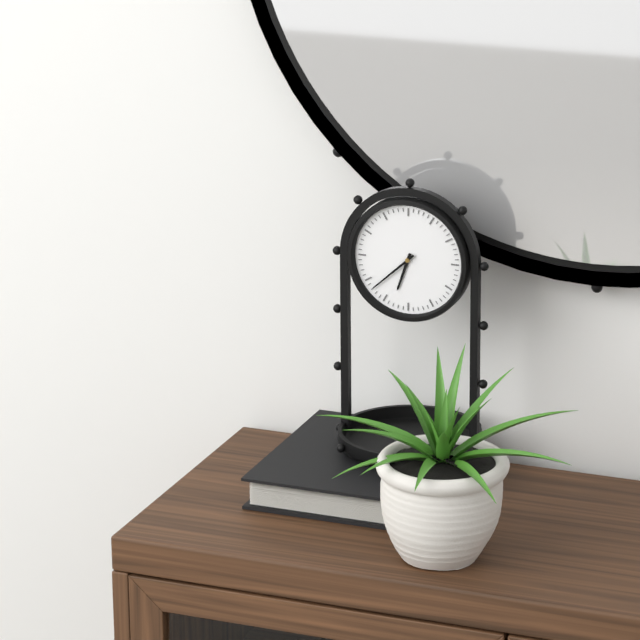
6:38
